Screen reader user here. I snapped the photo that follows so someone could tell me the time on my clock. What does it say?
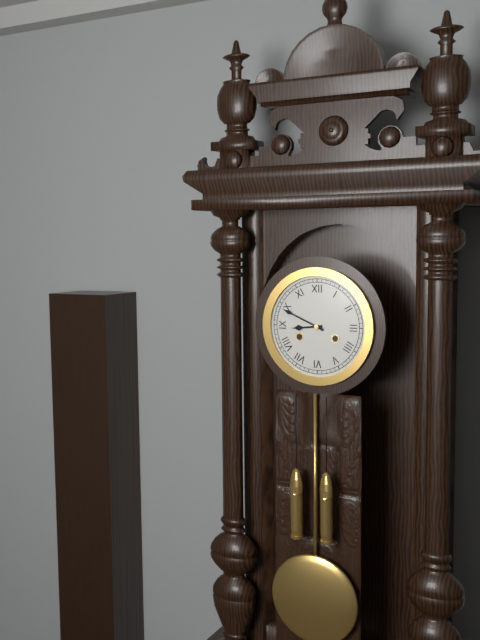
8:49
